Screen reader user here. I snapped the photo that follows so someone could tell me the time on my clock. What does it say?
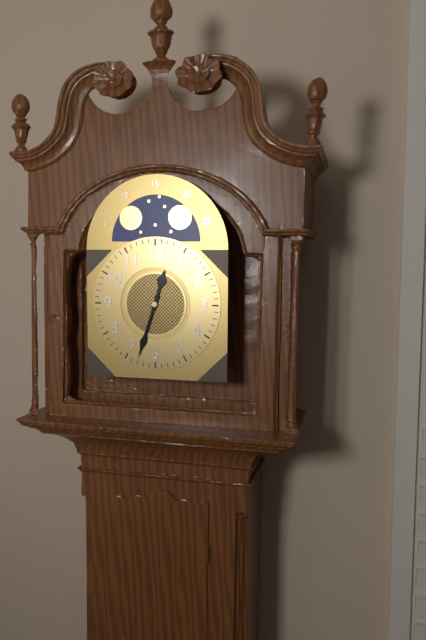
12:33
